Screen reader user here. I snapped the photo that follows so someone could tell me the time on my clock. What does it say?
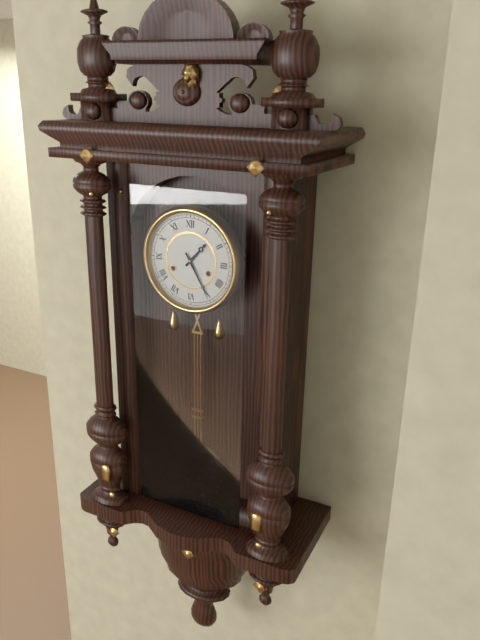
1:25
